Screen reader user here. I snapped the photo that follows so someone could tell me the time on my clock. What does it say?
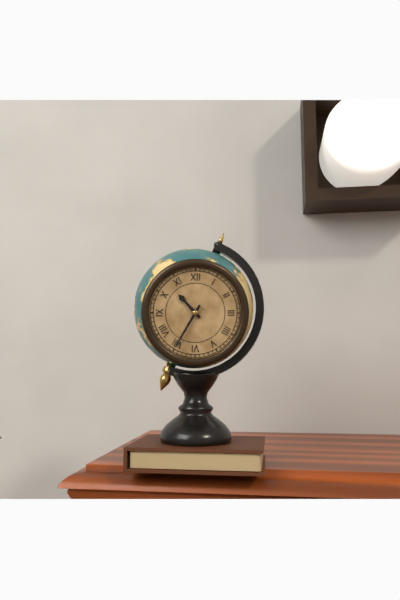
10:35
